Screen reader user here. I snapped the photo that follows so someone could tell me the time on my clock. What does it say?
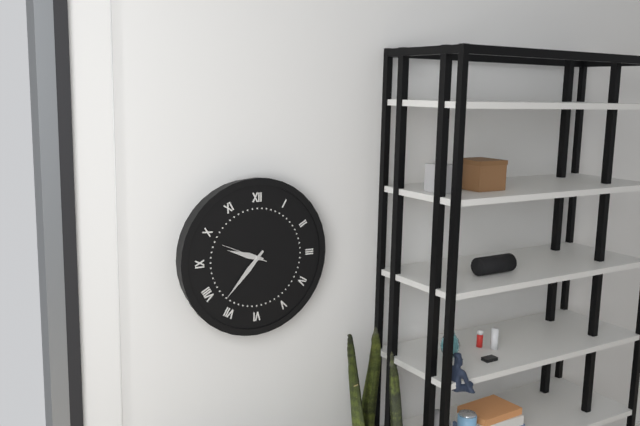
9:37
